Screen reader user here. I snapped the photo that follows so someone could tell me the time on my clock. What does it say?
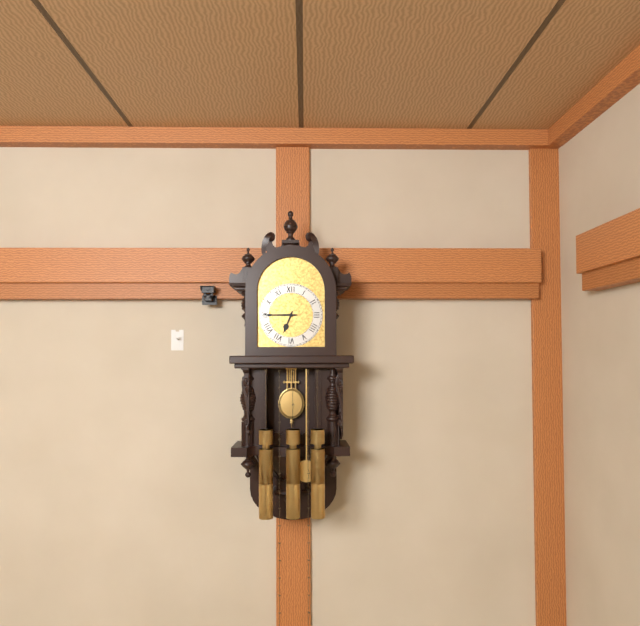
6:45
